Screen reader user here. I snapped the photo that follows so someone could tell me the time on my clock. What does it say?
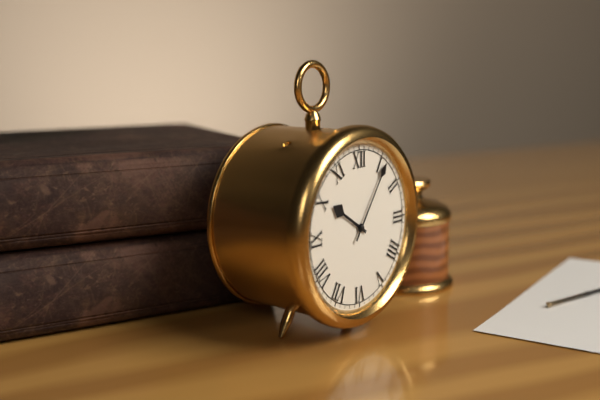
10:06
